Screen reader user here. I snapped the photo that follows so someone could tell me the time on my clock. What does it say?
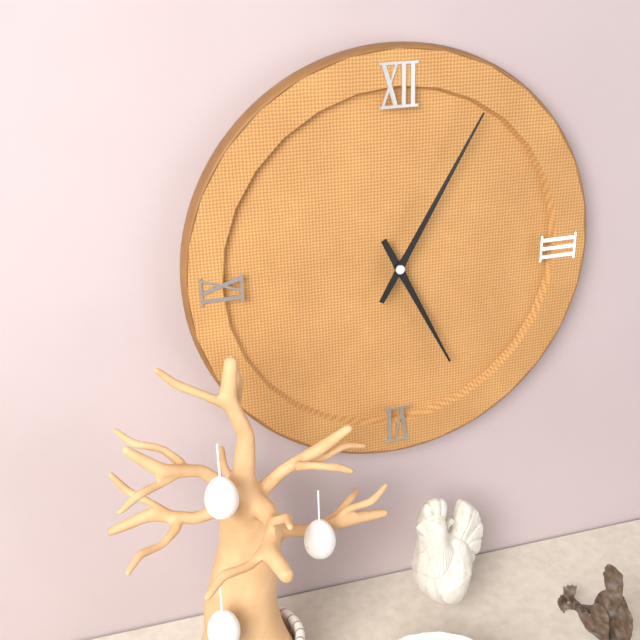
5:05
